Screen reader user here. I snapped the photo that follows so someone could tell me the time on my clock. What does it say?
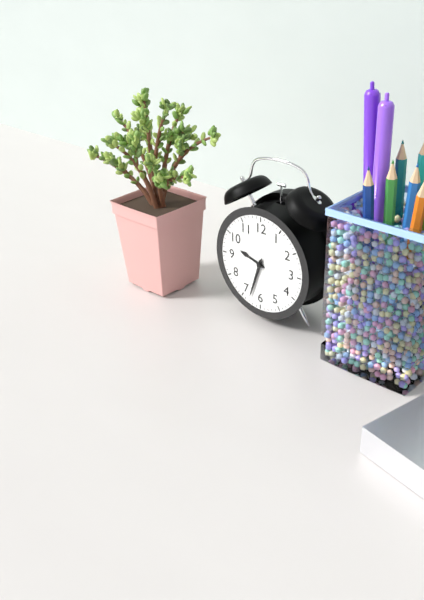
9:33
